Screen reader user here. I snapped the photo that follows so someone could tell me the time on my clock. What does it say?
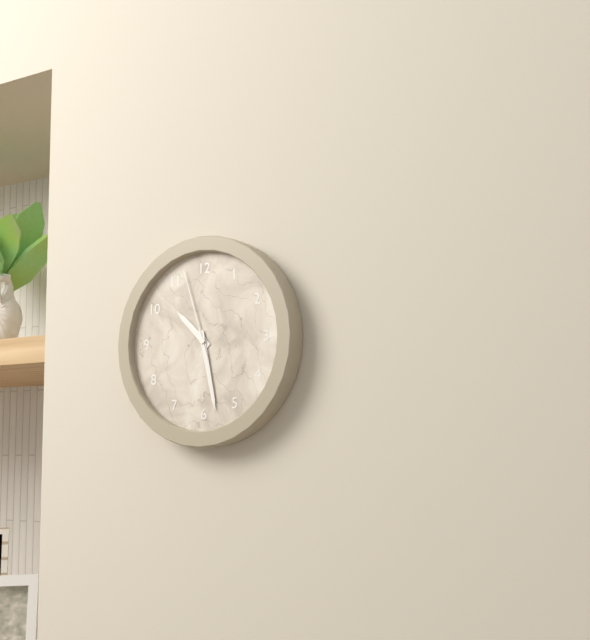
10:28:57
